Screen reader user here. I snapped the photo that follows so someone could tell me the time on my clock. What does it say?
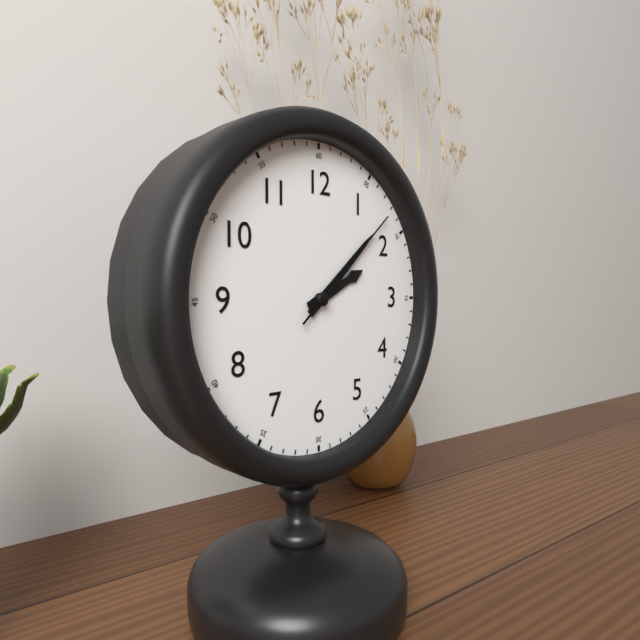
2:08:08
